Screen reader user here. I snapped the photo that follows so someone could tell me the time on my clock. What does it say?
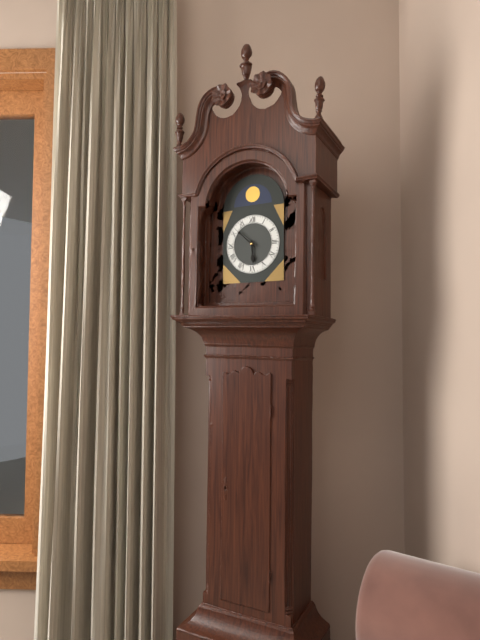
5:52
